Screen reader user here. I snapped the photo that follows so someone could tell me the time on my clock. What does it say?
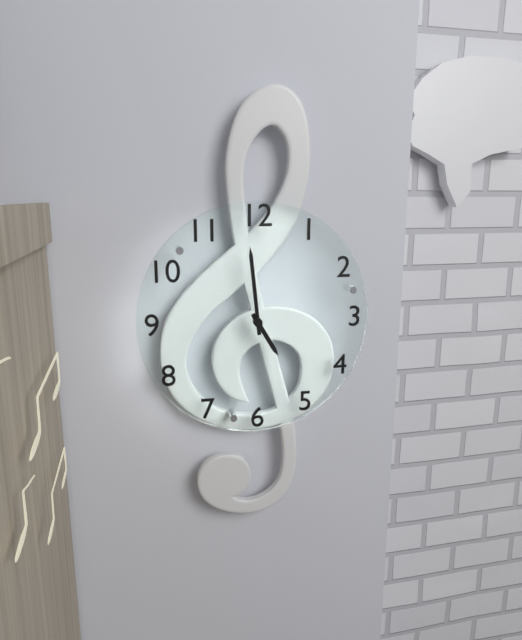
4:59
